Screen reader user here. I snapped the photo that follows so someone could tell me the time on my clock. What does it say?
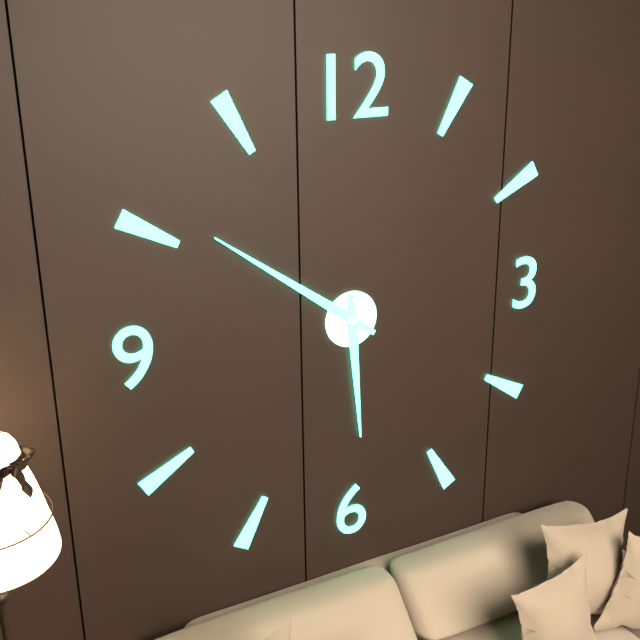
5:51
